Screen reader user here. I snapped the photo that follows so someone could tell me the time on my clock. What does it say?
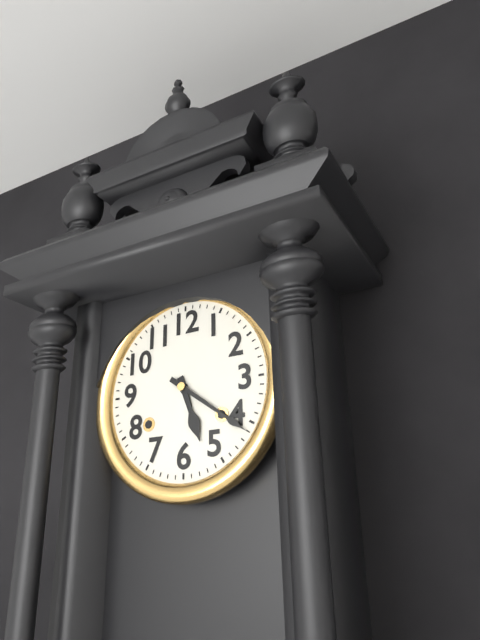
5:21
